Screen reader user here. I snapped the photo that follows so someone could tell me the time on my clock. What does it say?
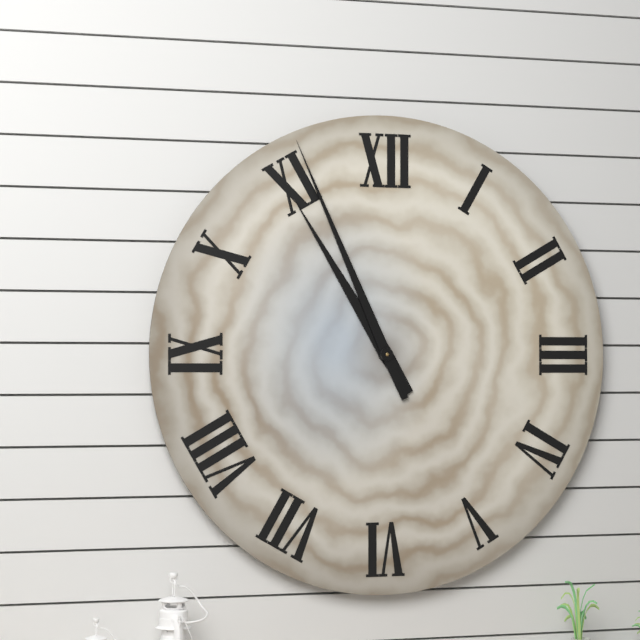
10:56
